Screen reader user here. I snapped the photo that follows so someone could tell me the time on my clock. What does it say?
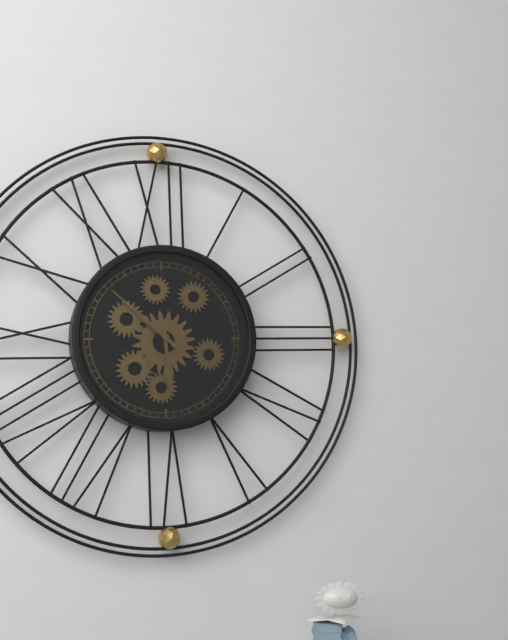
5:52
